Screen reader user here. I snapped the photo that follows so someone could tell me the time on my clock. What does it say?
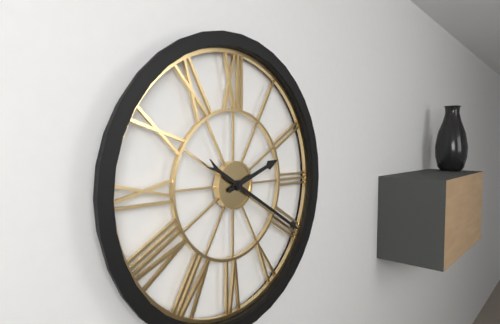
2:20
